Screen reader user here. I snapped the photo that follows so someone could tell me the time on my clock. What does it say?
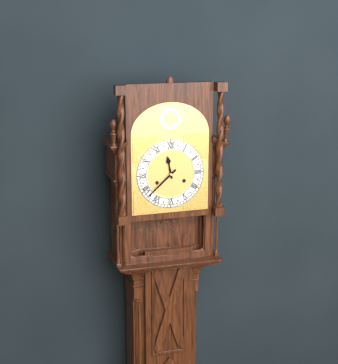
11:38
